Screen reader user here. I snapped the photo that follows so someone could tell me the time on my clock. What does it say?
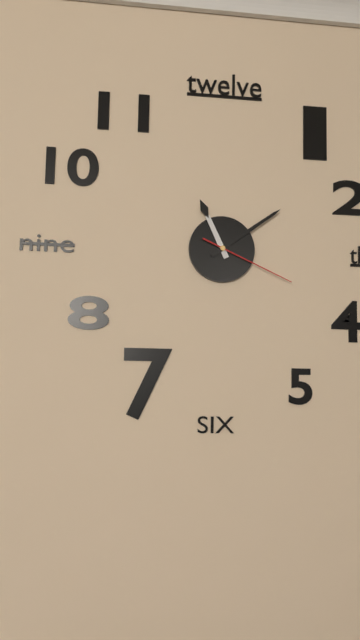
11:09:19
